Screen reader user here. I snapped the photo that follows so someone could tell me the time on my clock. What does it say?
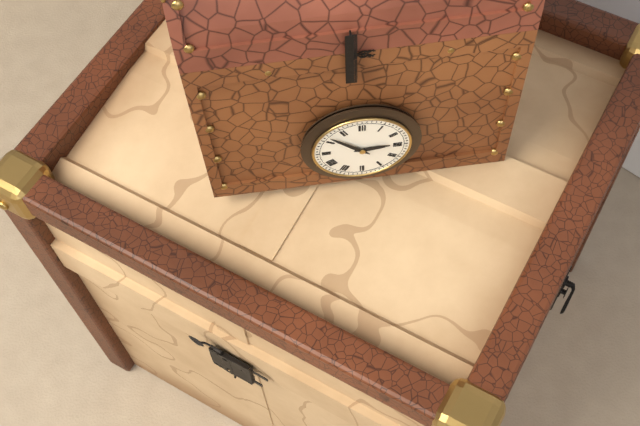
2:52
